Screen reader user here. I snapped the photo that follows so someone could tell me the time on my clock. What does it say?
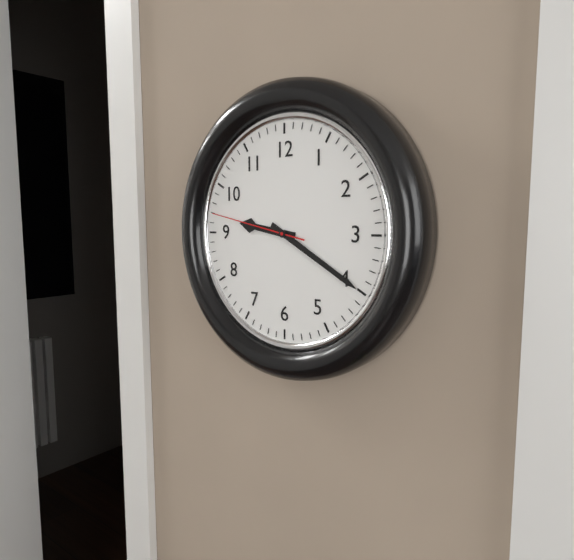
9:20:47
